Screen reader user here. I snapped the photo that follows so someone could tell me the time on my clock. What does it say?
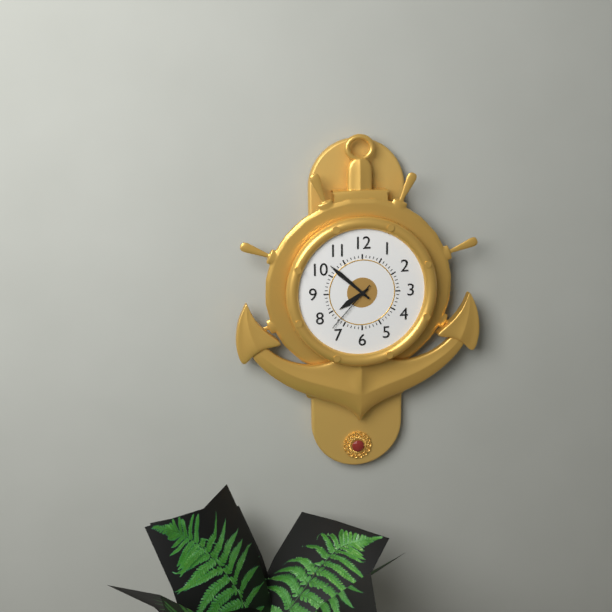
7:52:37
